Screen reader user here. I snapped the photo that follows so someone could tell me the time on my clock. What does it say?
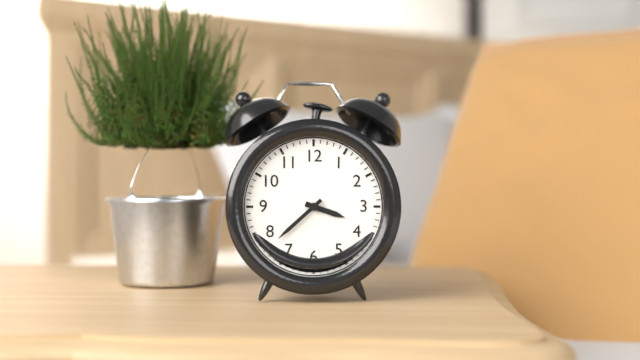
3:38
